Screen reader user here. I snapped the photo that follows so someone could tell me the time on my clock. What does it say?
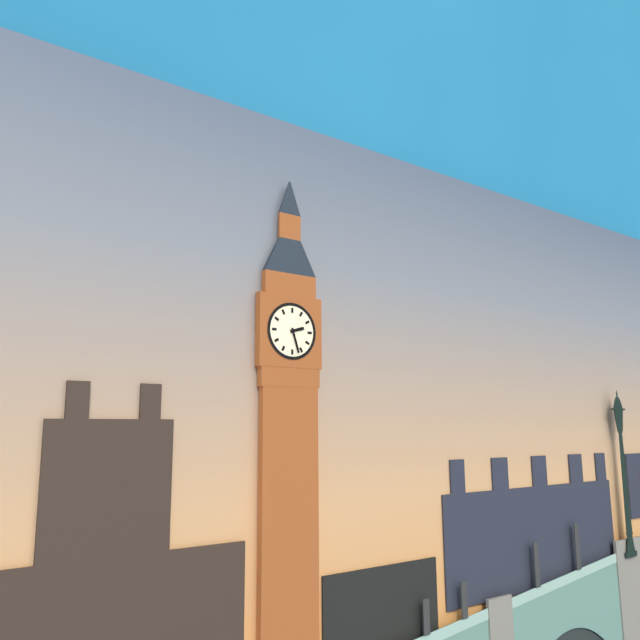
2:27
